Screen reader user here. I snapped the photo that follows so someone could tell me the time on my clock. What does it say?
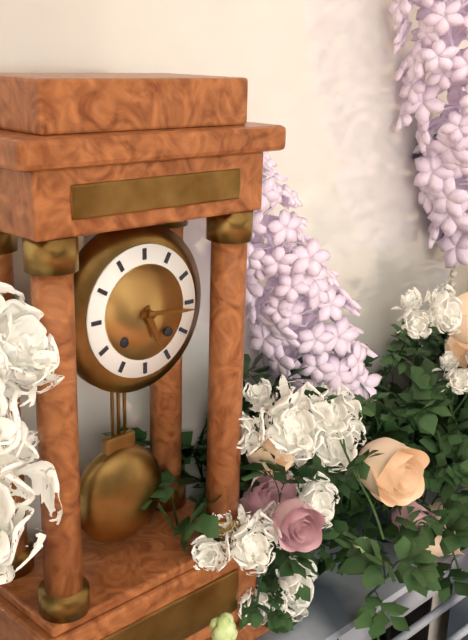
5:16
